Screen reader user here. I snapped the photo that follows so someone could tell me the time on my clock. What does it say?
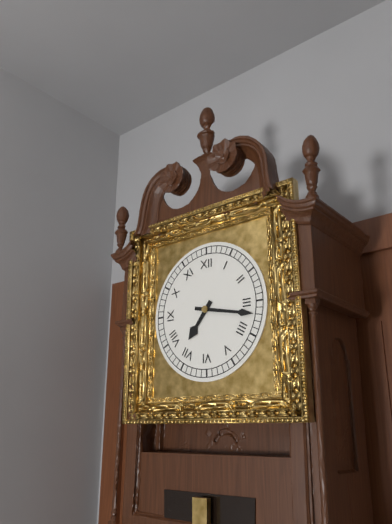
7:17
